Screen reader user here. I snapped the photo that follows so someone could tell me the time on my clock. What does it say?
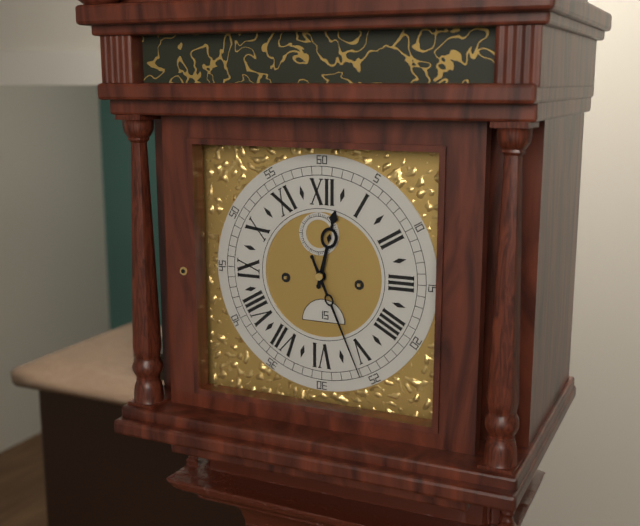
12:26
